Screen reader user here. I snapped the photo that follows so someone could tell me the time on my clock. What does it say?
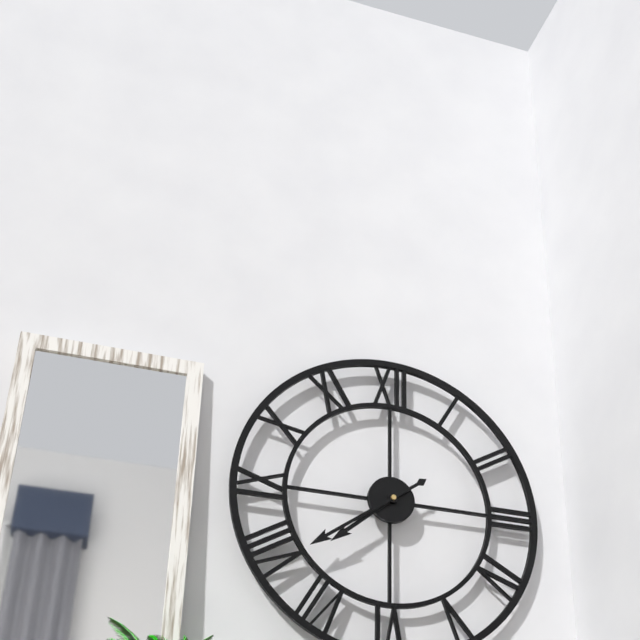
7:39
